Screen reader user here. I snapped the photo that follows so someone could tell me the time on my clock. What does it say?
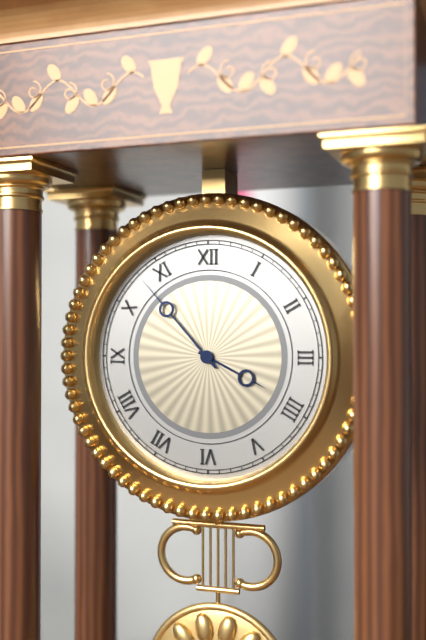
3:53
